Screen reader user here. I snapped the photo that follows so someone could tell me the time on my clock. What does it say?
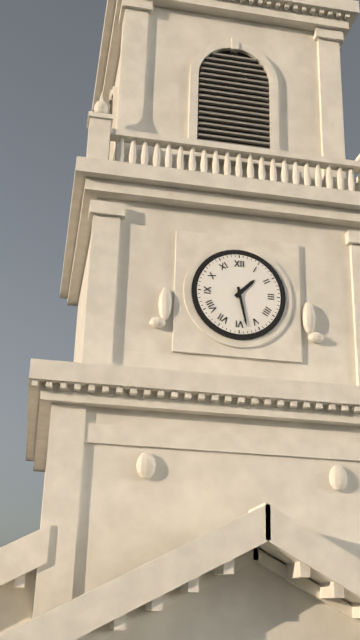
1:28
